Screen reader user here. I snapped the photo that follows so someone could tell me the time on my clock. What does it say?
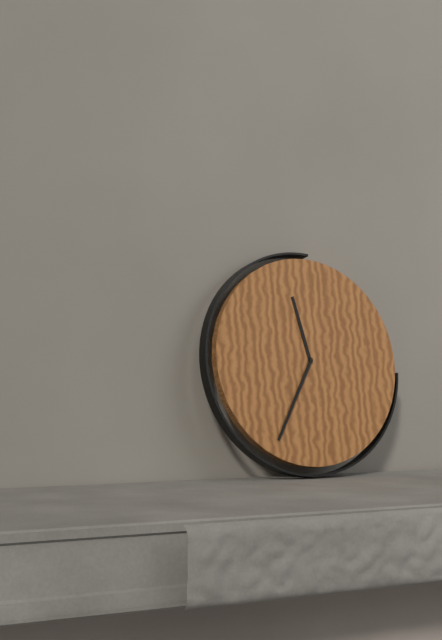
11:35
